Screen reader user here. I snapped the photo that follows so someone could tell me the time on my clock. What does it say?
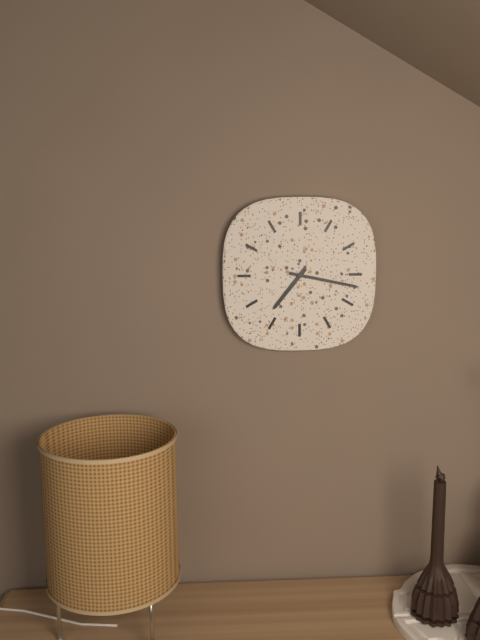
7:17
